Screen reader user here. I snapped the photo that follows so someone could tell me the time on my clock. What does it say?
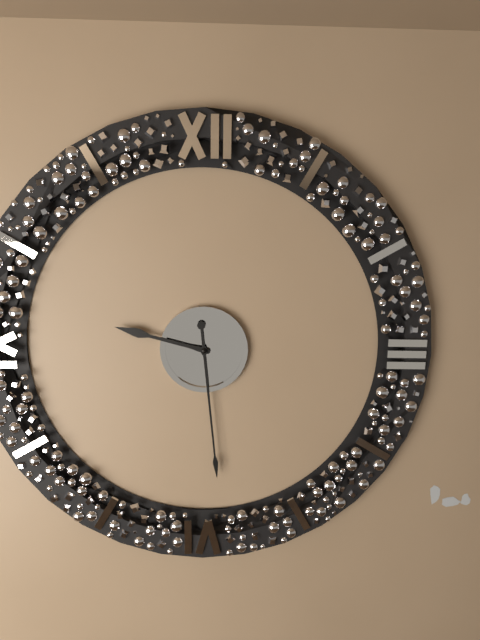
9:29
